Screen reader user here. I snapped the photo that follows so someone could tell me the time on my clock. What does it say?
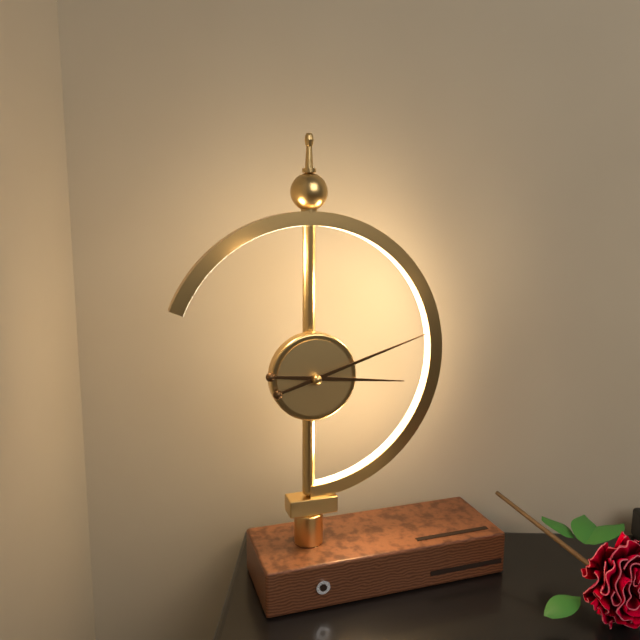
3:12
